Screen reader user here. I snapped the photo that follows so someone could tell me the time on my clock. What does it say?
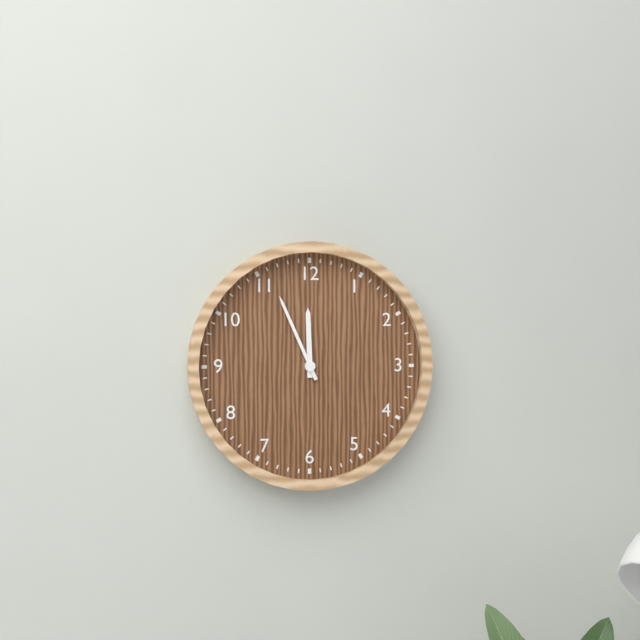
11:56
